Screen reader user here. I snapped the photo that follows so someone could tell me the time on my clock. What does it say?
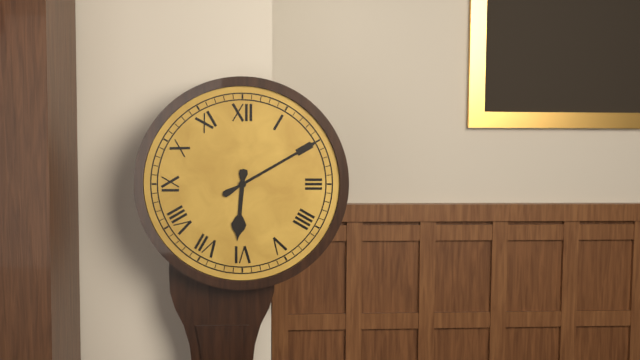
6:10
